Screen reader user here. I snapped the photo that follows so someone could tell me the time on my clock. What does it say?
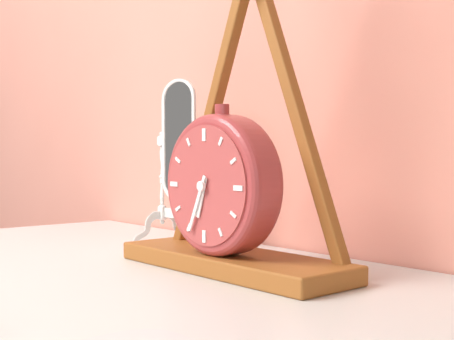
6:34
